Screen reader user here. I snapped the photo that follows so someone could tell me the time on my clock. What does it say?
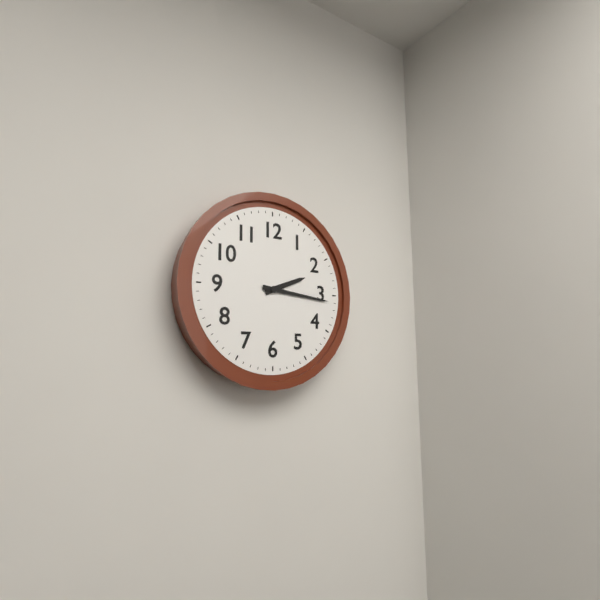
2:16
